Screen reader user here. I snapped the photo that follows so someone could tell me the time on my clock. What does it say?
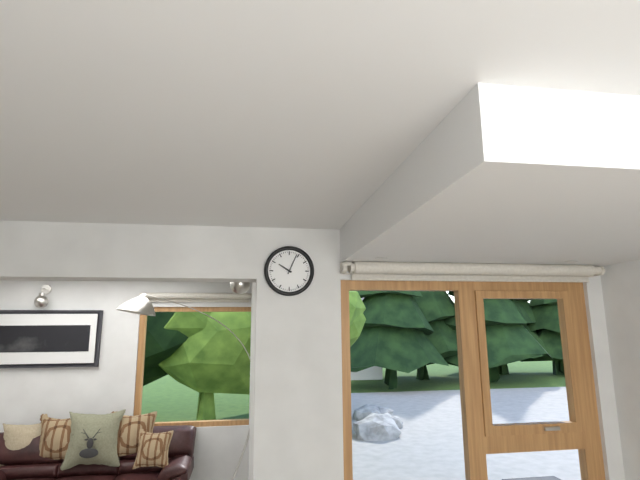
10:04
